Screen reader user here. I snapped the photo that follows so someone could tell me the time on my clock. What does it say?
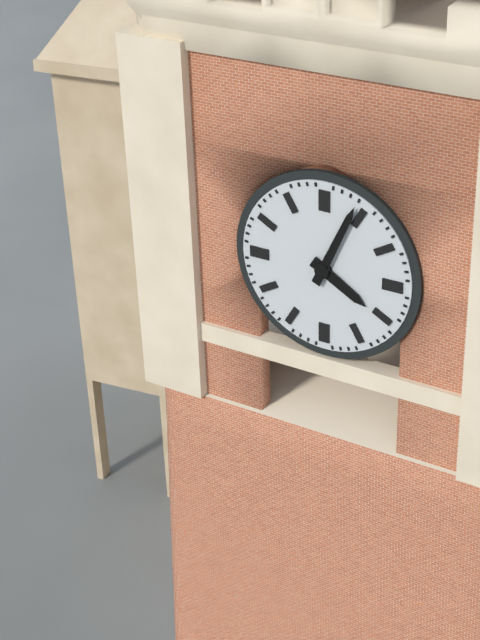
4:04
